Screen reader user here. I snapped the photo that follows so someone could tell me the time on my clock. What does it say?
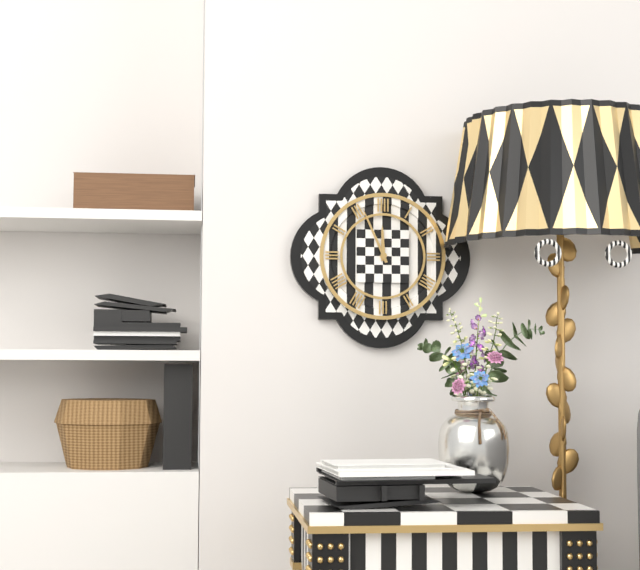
11:56
